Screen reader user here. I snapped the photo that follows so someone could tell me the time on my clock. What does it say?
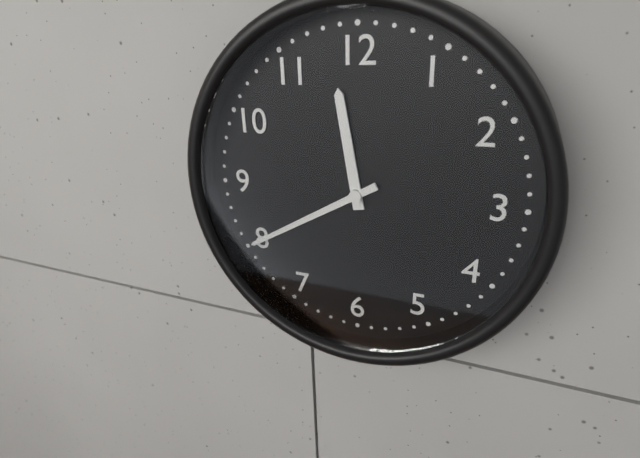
11:40
